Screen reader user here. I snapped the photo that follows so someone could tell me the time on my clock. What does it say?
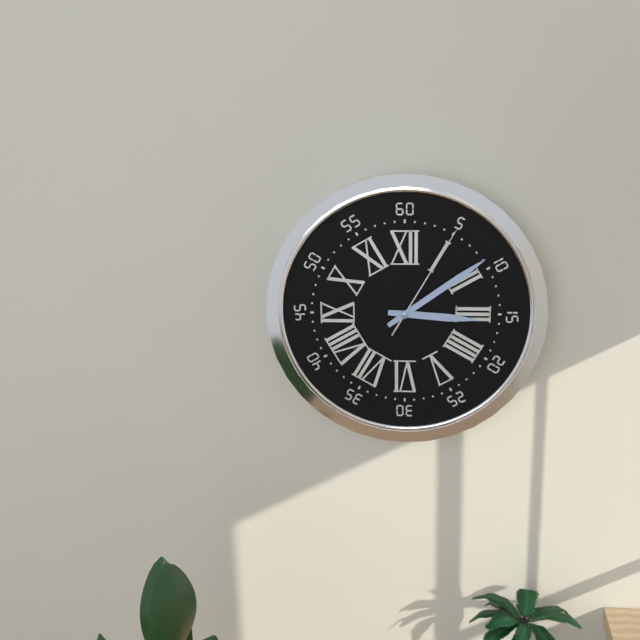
3:09:05
